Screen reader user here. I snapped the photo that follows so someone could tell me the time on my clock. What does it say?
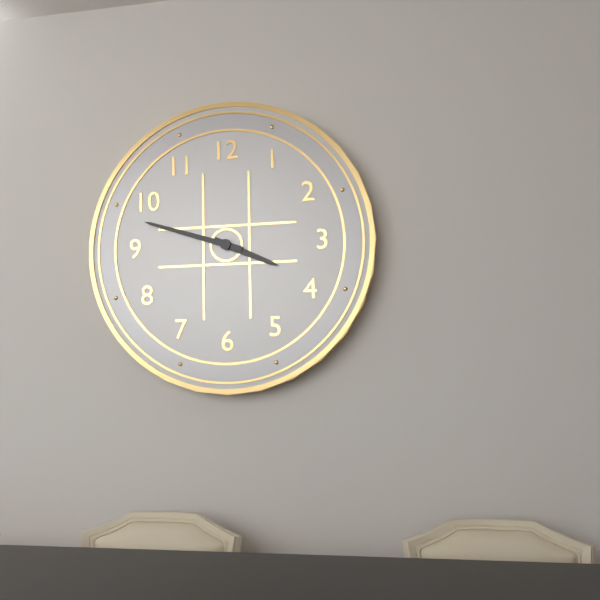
3:48
